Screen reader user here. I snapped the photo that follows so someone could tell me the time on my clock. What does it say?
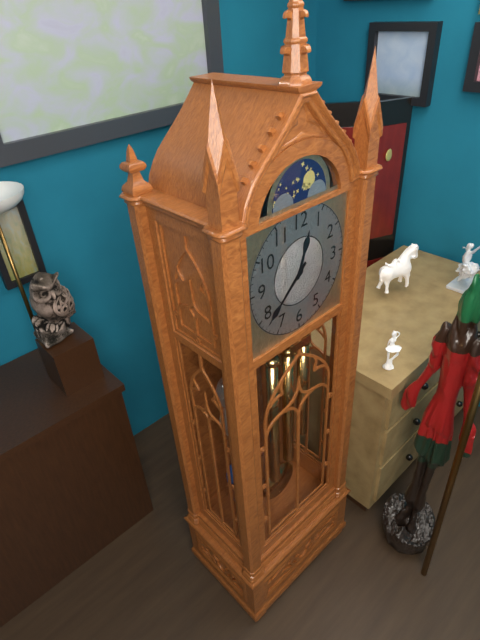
12:38
